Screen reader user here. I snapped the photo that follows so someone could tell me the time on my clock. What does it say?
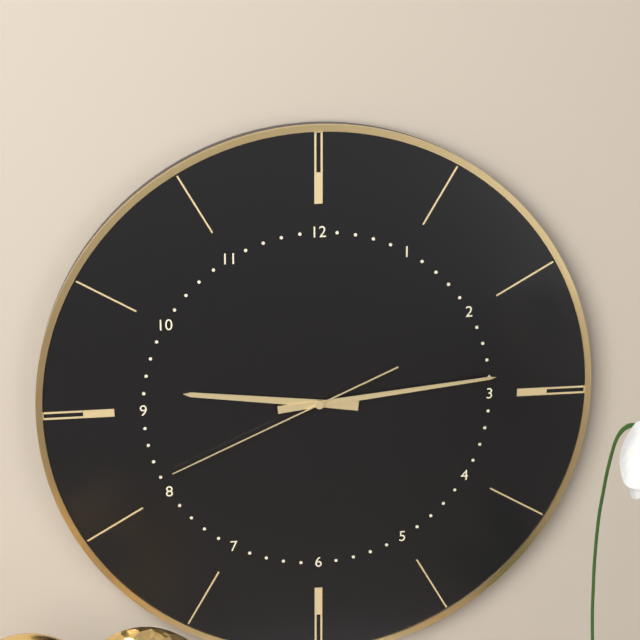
9:14:41
